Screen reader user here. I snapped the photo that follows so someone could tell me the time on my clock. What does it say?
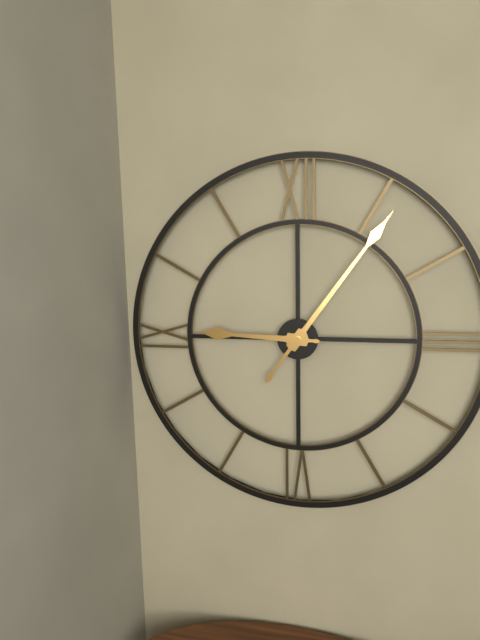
9:06
